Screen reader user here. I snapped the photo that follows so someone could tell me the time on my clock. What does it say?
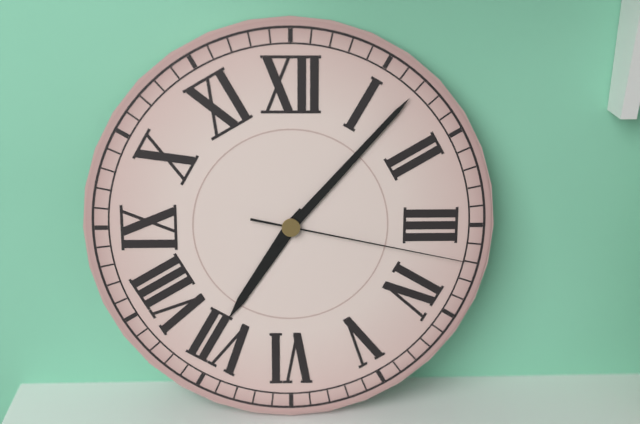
7:07:17
